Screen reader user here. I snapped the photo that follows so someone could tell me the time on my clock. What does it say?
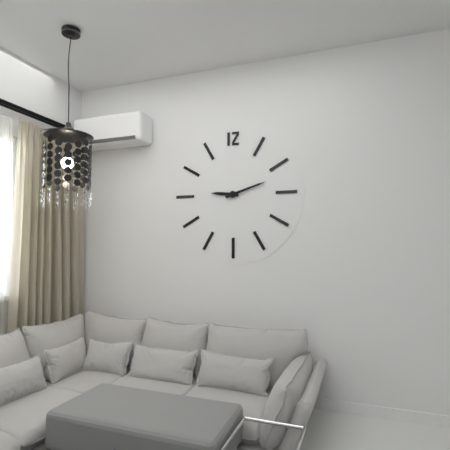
9:12
